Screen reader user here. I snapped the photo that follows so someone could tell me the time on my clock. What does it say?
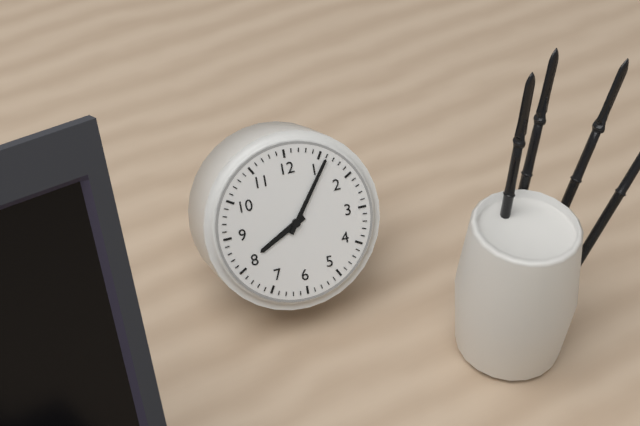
8:06
